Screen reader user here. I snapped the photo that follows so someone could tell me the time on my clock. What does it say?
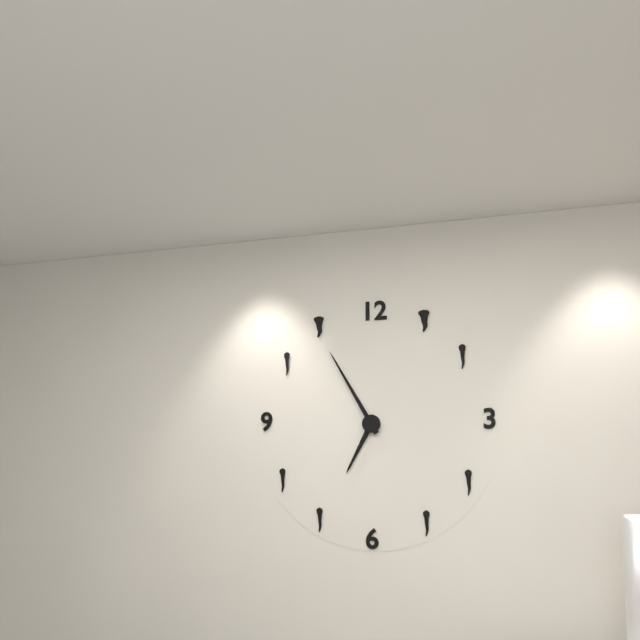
6:55
